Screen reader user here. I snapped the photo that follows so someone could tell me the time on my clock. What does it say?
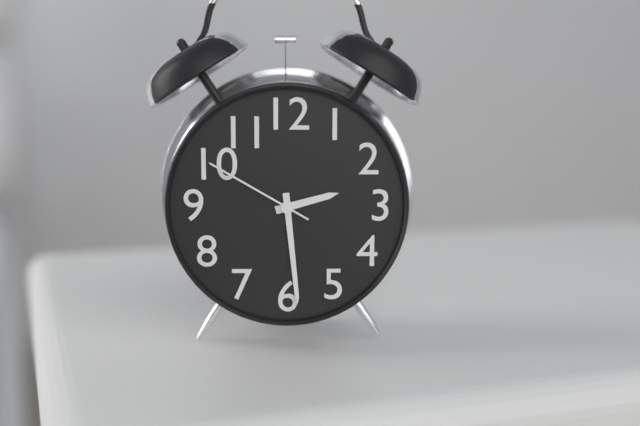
2:29:50
